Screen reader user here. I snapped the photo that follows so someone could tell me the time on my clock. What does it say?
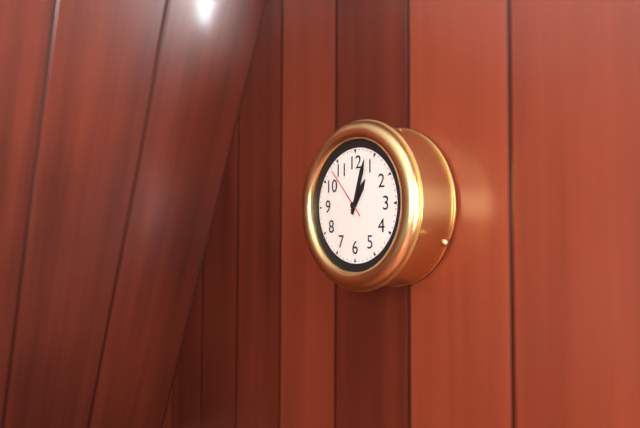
1:03:53
